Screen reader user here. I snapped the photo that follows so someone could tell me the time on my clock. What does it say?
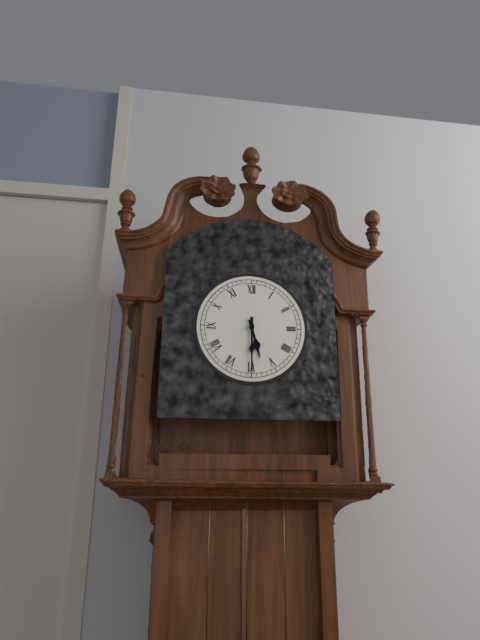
5:30
